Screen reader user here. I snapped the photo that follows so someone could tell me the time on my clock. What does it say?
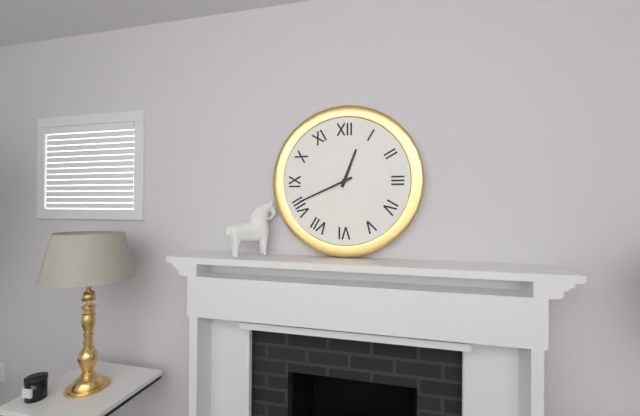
12:41
